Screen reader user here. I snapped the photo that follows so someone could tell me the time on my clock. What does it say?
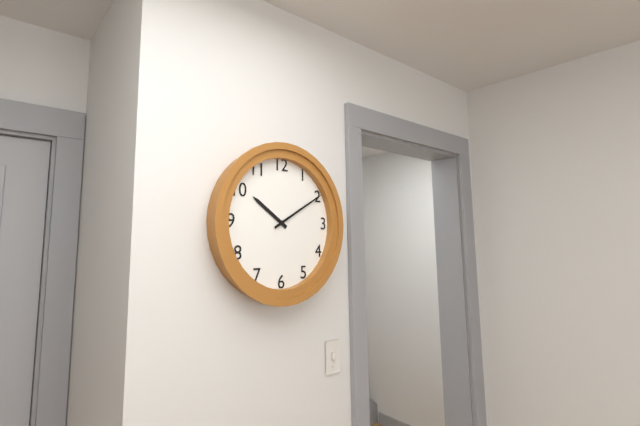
10:10
